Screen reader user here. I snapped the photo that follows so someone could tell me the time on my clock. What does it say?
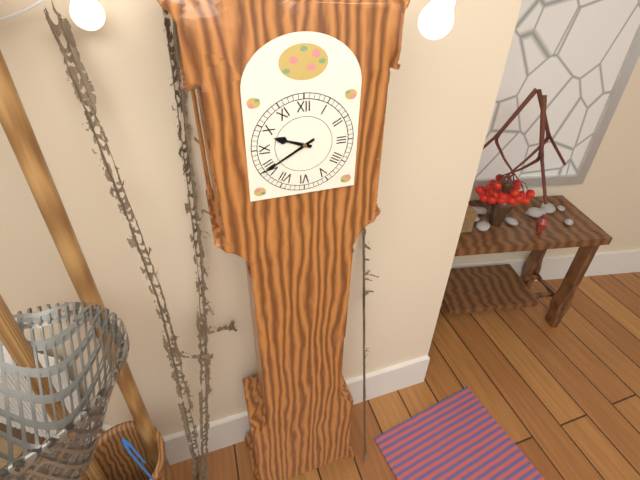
9:40
